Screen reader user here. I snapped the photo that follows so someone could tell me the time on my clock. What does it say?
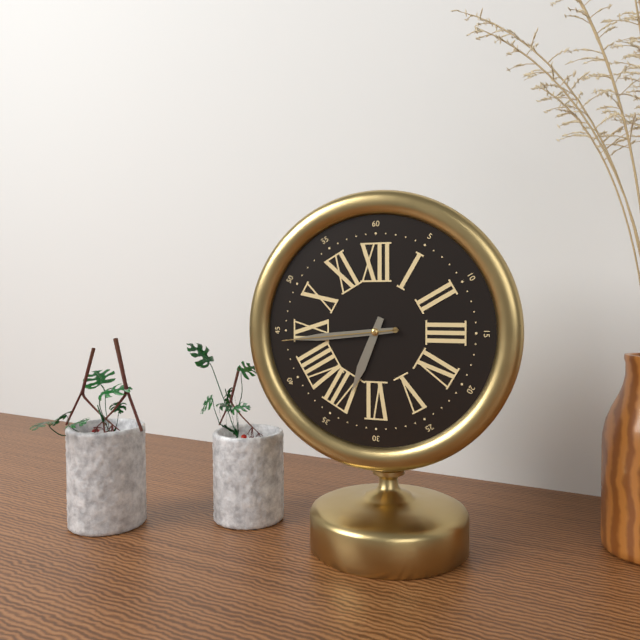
6:44:44
